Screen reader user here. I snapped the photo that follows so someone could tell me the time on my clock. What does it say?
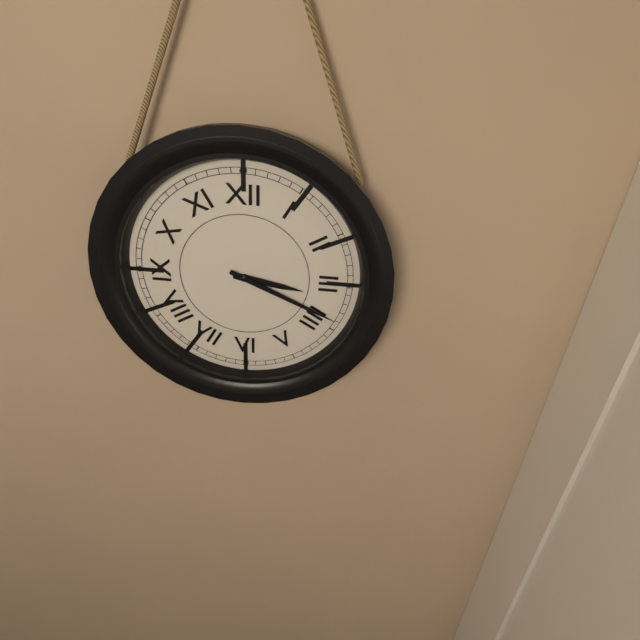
3:19
